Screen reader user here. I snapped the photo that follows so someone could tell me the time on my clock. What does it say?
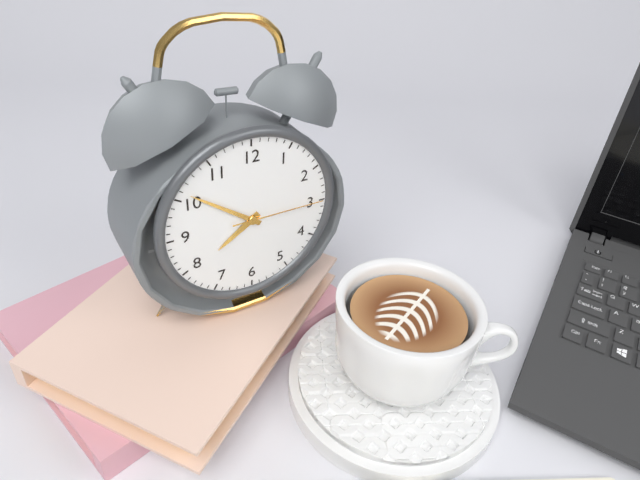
7:51:15
